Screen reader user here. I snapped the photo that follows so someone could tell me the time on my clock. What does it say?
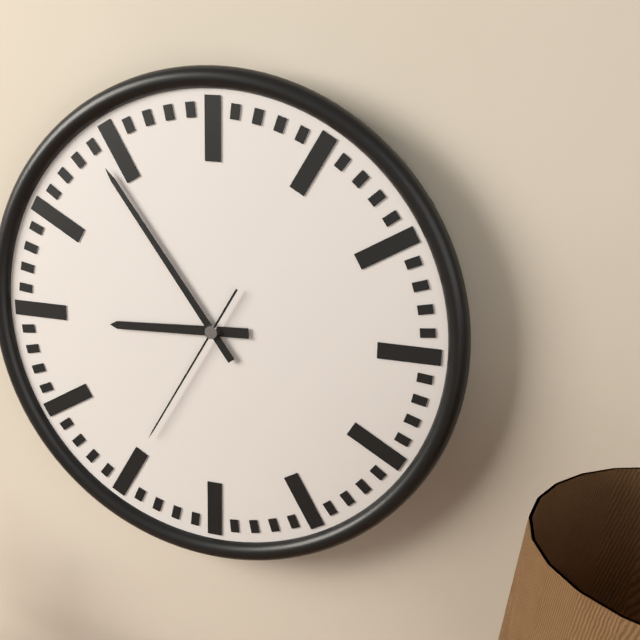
8:54:35
